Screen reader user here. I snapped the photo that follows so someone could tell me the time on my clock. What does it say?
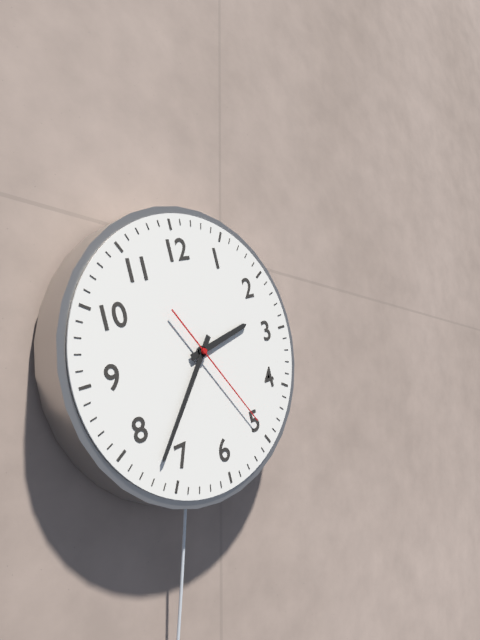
2:37:25
